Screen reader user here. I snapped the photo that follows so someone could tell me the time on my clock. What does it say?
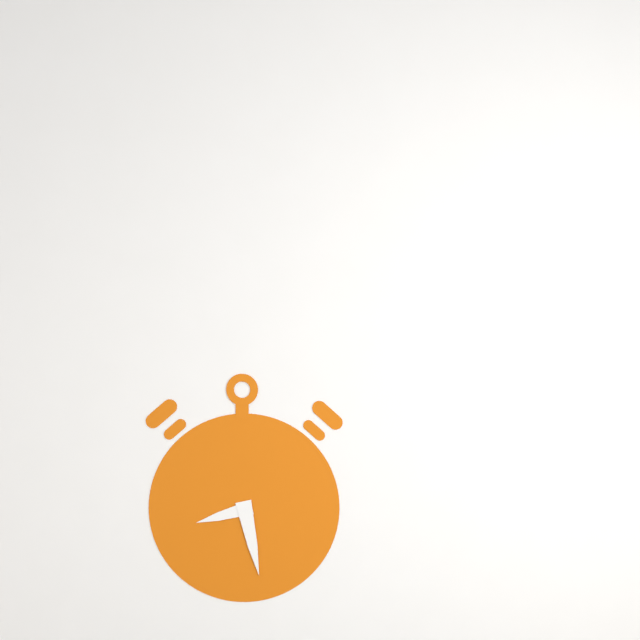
8:28
